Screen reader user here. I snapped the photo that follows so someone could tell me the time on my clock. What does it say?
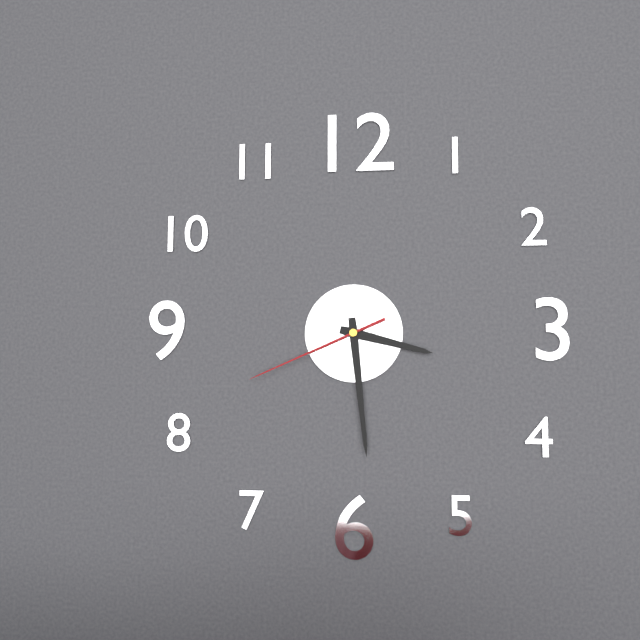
3:29:41
